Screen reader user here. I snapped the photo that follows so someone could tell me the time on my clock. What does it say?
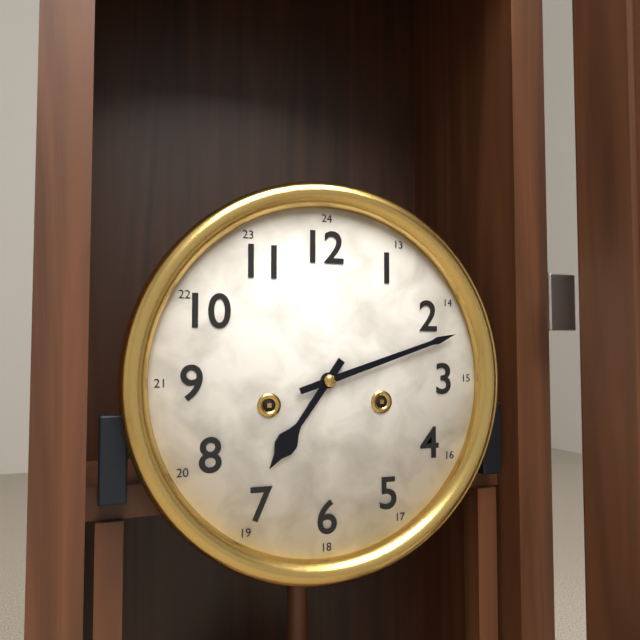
7:12
